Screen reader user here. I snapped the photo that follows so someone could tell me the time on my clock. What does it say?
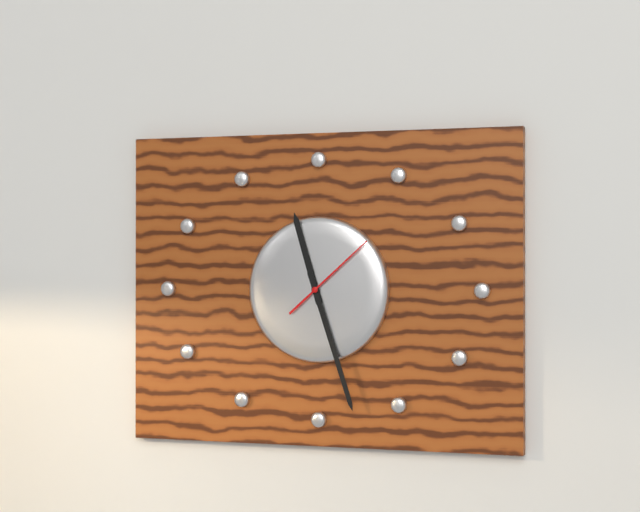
11:27:08
